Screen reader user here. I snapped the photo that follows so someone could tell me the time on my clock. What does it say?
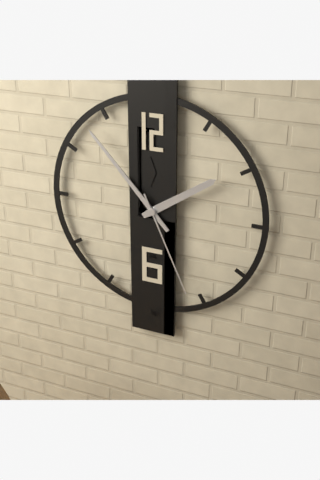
1:53:26
